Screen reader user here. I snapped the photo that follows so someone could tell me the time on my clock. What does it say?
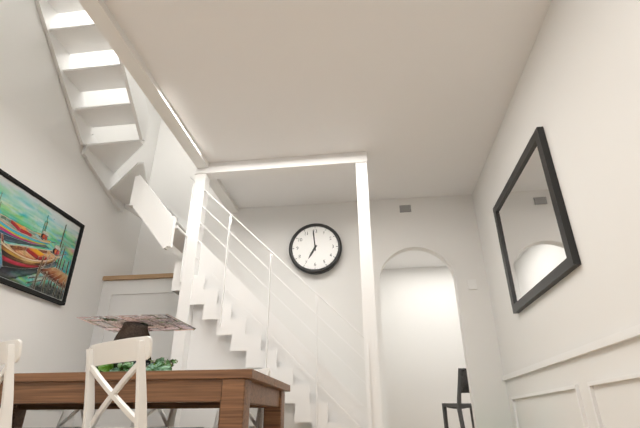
6:59
